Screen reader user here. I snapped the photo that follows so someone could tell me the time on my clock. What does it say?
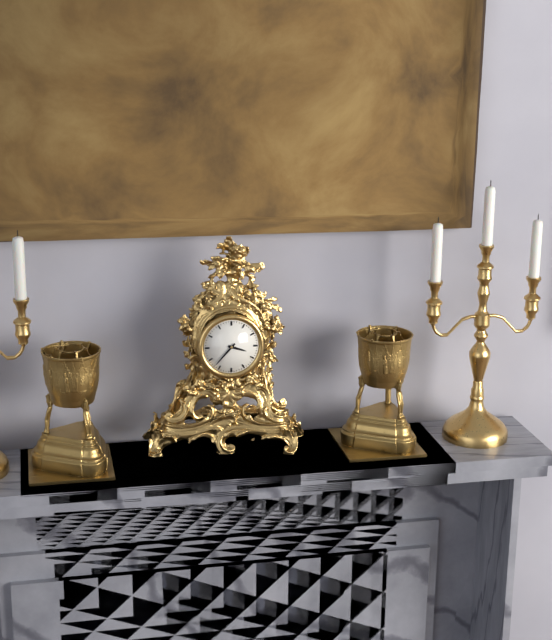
3:37
